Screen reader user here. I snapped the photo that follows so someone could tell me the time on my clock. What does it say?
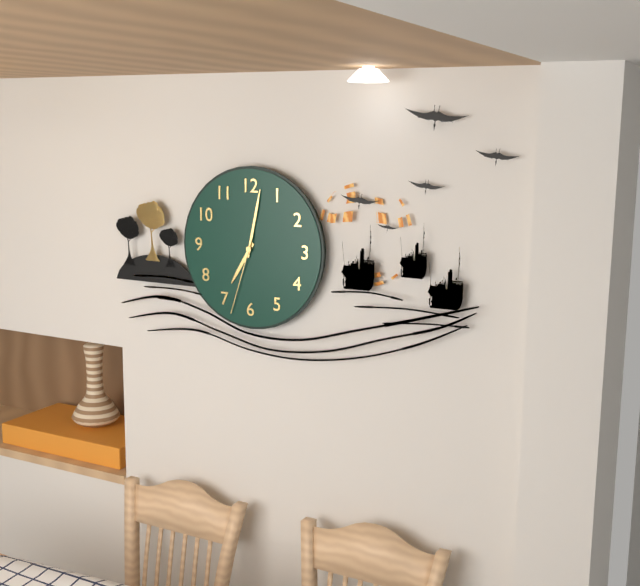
7:02:33
